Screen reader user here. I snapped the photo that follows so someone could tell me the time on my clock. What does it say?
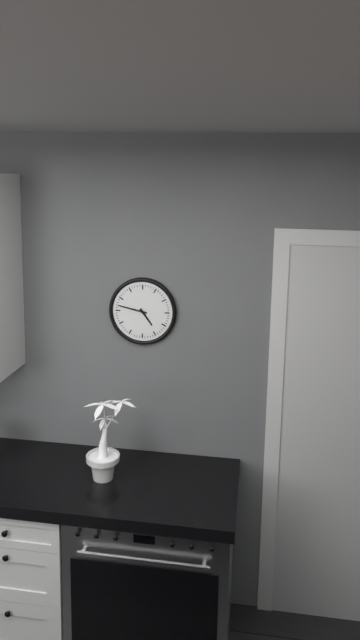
4:47
